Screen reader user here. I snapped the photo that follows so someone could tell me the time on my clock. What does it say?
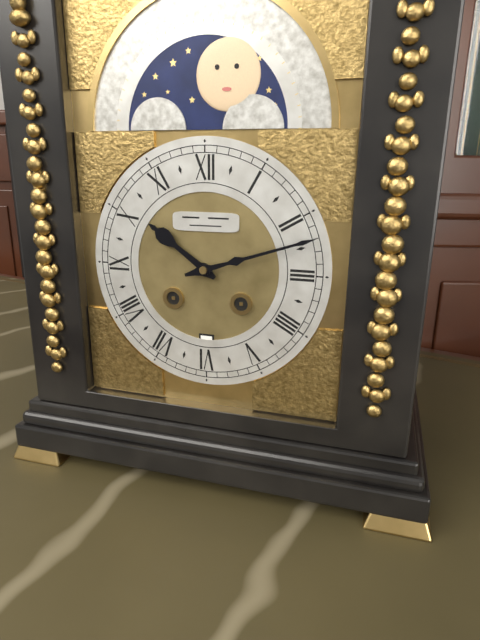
10:12
